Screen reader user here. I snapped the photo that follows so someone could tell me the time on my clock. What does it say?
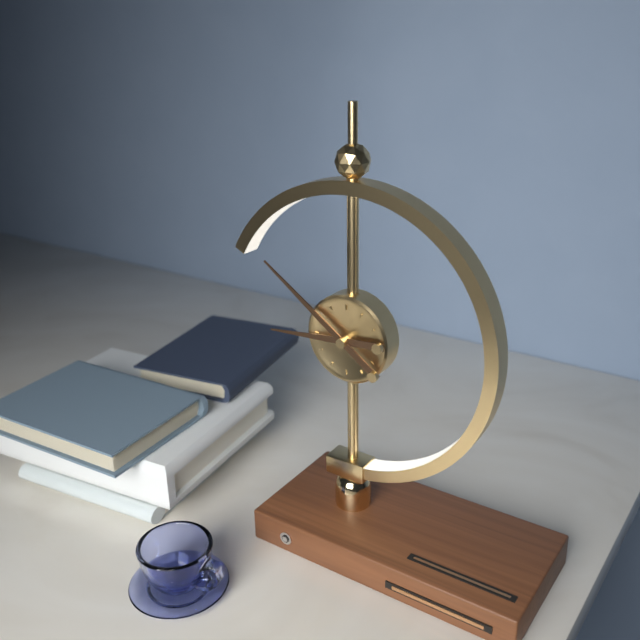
8:51
